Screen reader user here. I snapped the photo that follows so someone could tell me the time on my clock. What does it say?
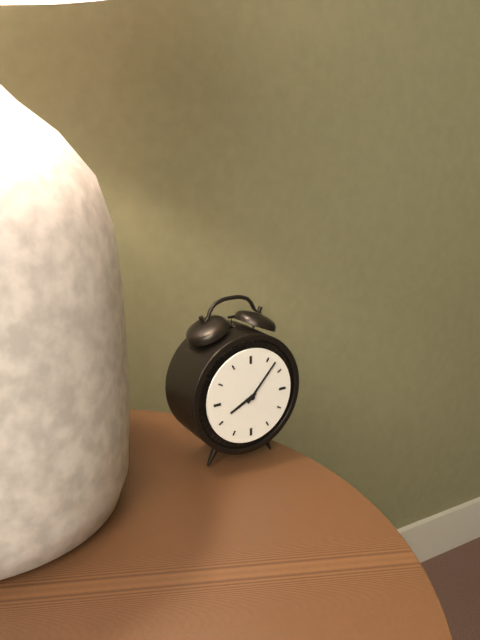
8:07
